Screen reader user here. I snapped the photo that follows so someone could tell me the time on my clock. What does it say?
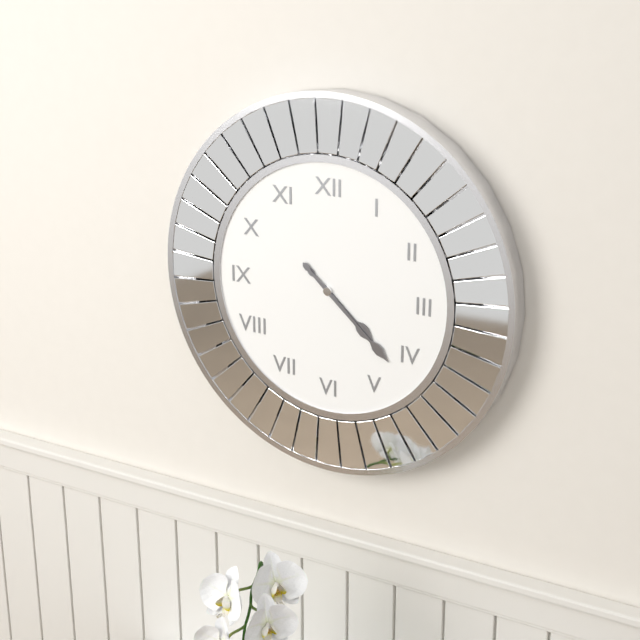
4:22
